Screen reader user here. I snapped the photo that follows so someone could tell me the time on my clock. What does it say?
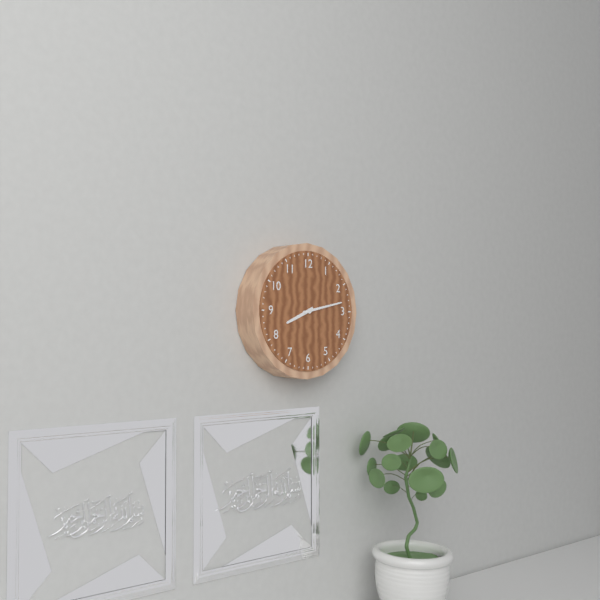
8:13
